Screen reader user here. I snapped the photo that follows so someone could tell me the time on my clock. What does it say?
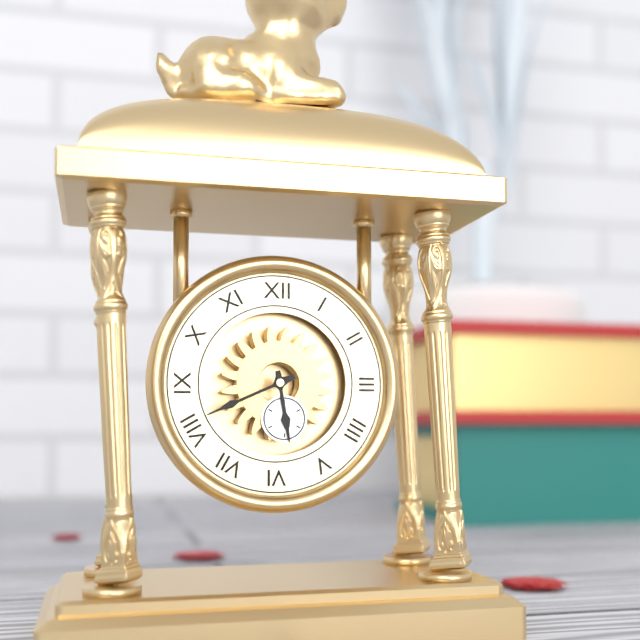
5:41
